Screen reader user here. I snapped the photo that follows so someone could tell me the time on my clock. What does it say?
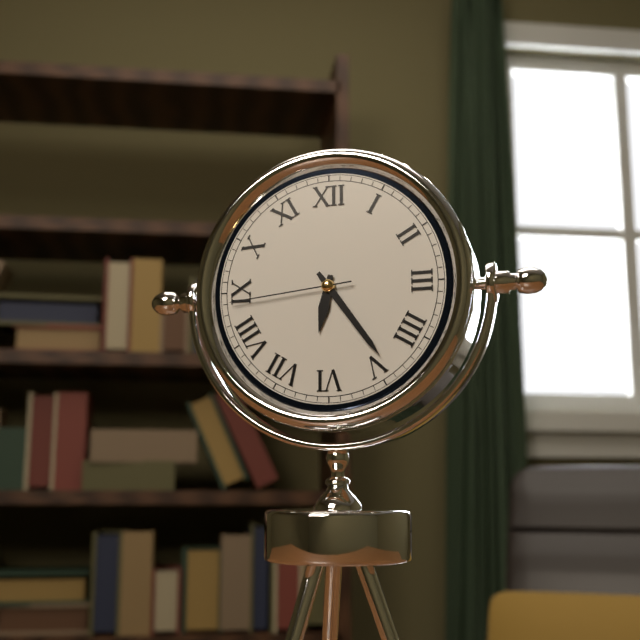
6:24:44
